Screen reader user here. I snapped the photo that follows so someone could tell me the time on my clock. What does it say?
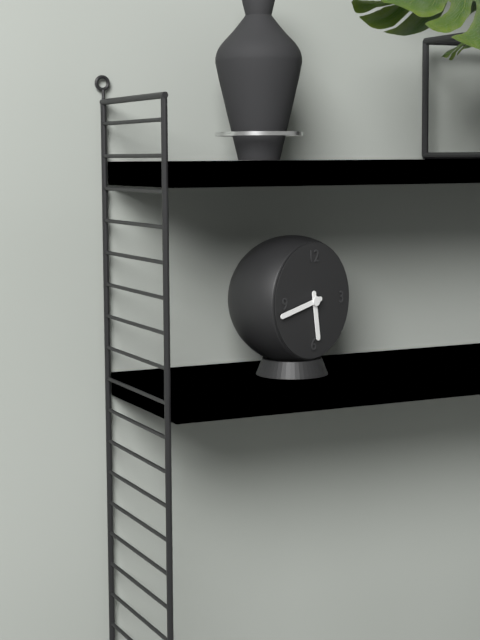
5:43
